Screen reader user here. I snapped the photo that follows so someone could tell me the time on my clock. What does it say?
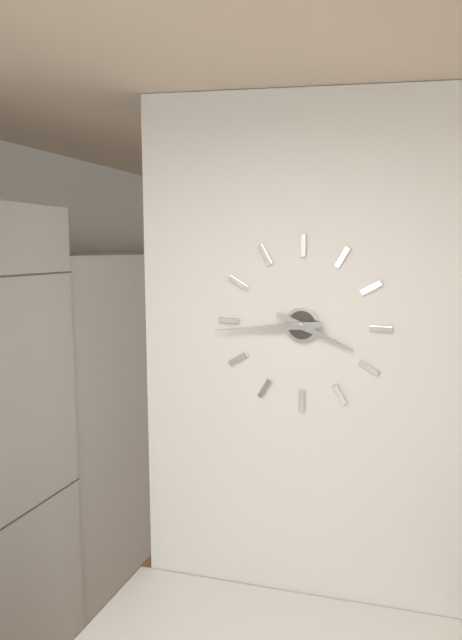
3:44
